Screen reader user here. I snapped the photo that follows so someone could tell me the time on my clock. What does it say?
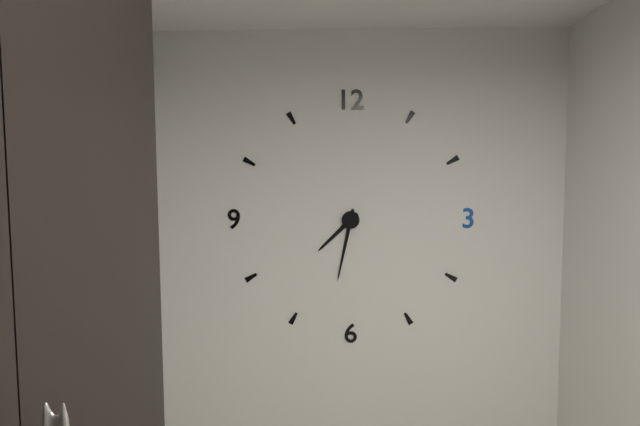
7:32
